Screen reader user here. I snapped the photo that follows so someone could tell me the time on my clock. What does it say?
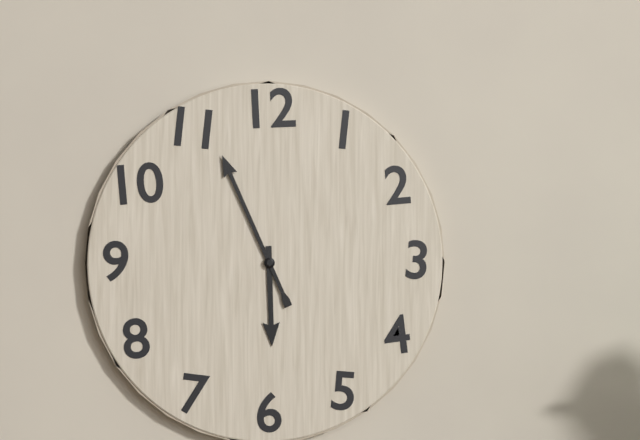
5:56
